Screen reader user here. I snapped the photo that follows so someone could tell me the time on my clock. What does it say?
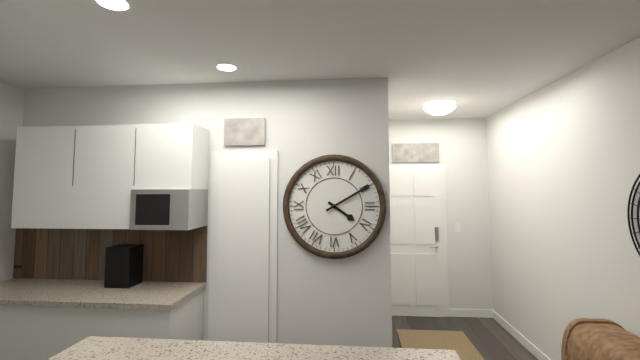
4:10
